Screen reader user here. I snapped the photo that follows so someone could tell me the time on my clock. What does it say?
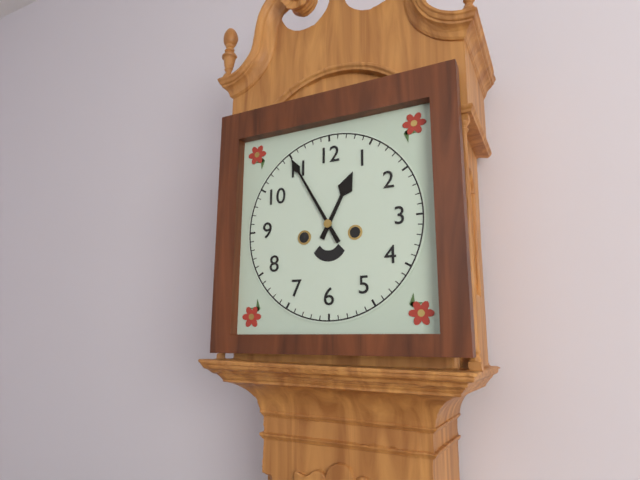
12:55
